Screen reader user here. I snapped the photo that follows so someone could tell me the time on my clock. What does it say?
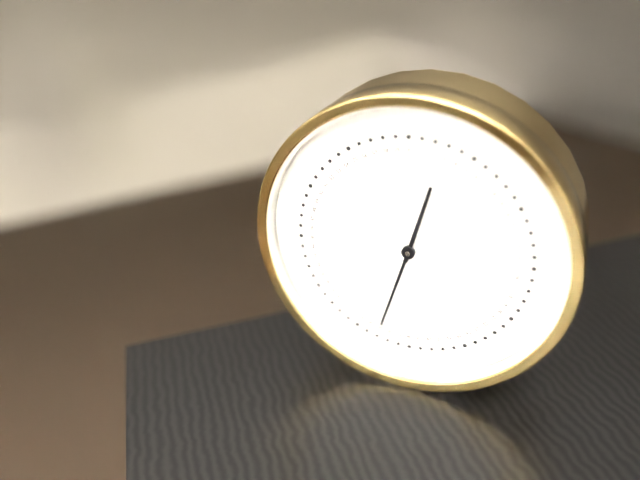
12:33
